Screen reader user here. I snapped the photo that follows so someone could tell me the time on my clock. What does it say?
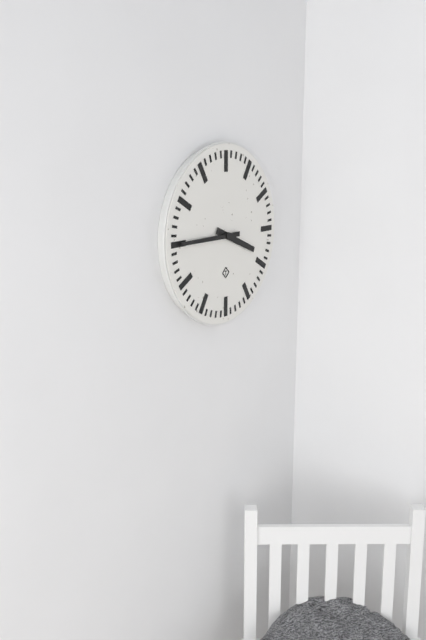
3:45
